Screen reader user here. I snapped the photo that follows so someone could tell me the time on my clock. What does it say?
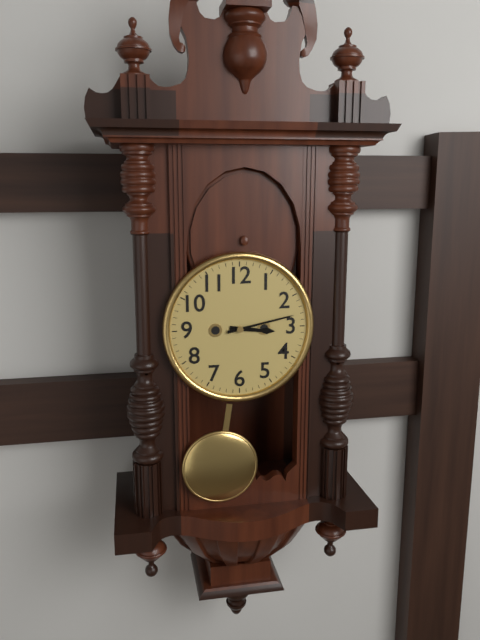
3:13
